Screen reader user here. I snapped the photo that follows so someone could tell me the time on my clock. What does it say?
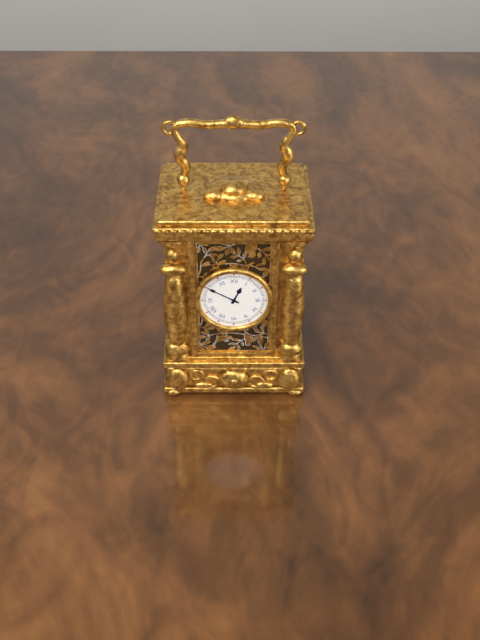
12:50
